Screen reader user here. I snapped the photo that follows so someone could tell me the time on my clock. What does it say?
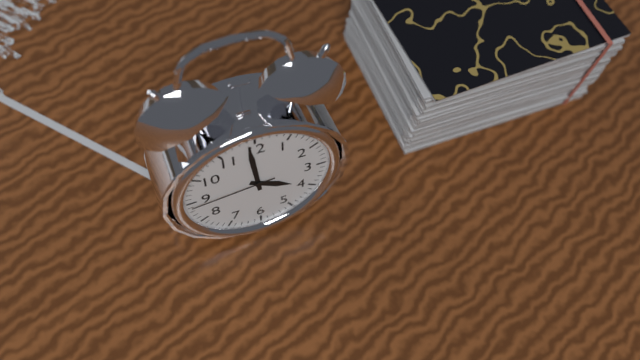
3:59:44
